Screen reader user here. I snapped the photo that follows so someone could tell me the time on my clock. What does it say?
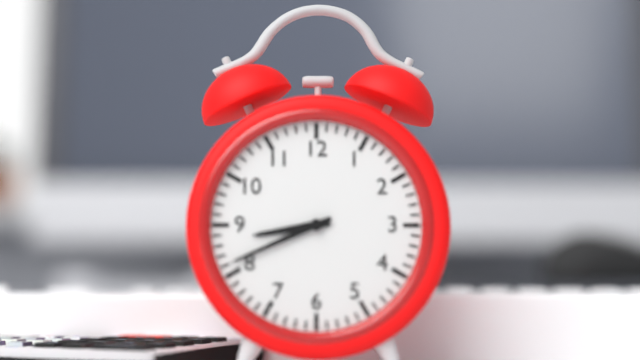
8:41
